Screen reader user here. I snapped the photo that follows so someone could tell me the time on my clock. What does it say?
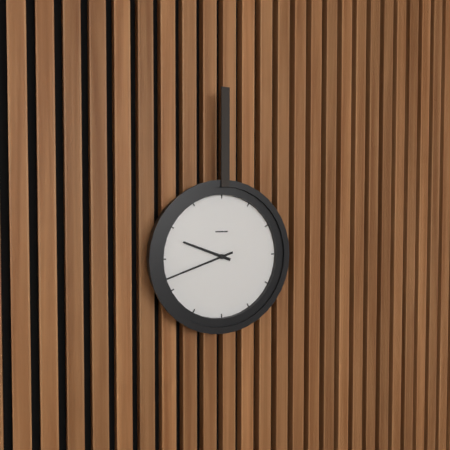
9:42
